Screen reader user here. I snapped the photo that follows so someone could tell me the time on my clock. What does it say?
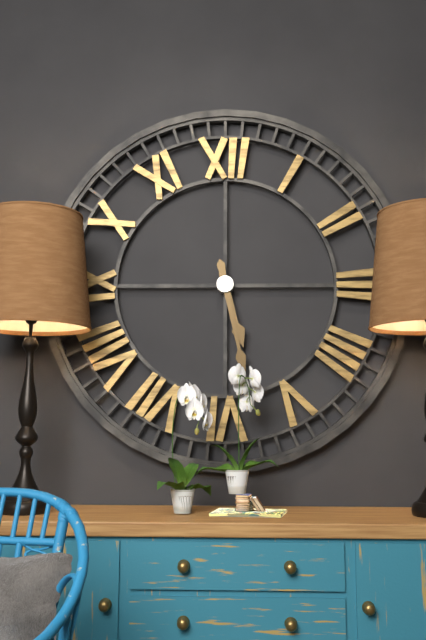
5:28
